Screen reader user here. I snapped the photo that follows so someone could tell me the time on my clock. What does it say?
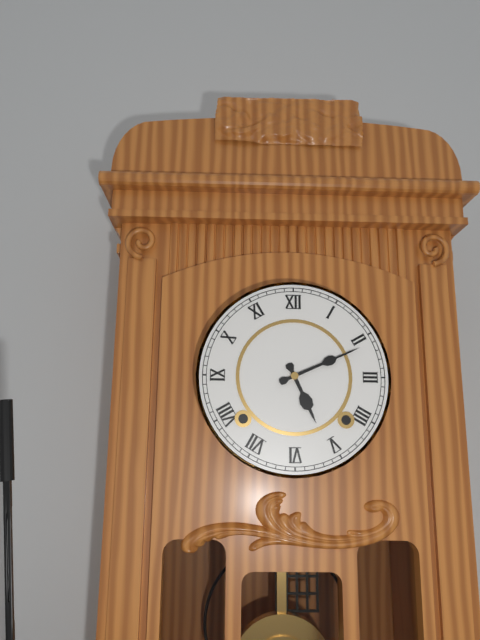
5:11
